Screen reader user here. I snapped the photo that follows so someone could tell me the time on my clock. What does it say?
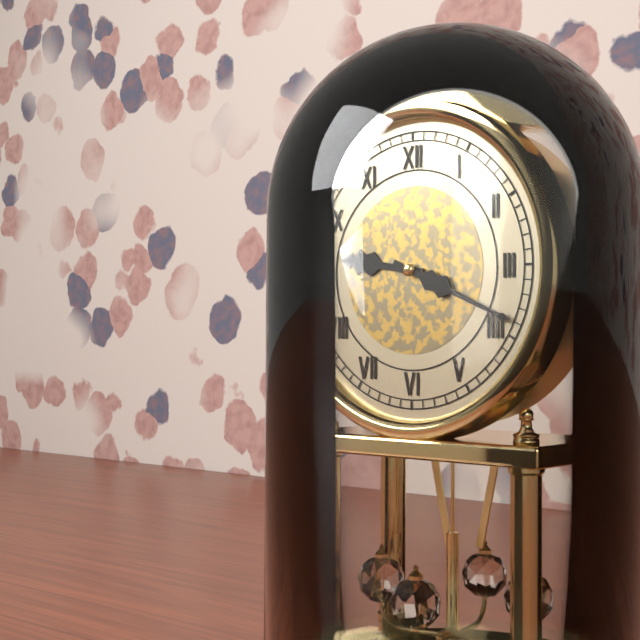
9:19
